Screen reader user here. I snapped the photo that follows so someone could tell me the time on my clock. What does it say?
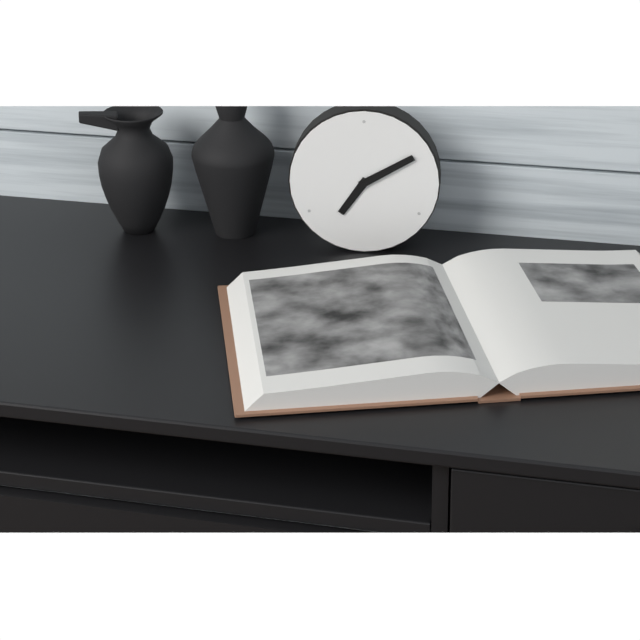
7:10
